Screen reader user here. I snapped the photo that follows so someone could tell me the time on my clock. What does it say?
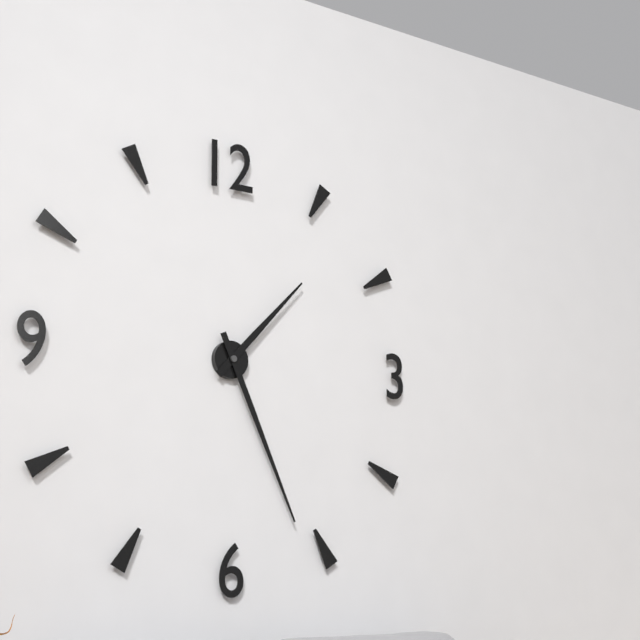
1:26
